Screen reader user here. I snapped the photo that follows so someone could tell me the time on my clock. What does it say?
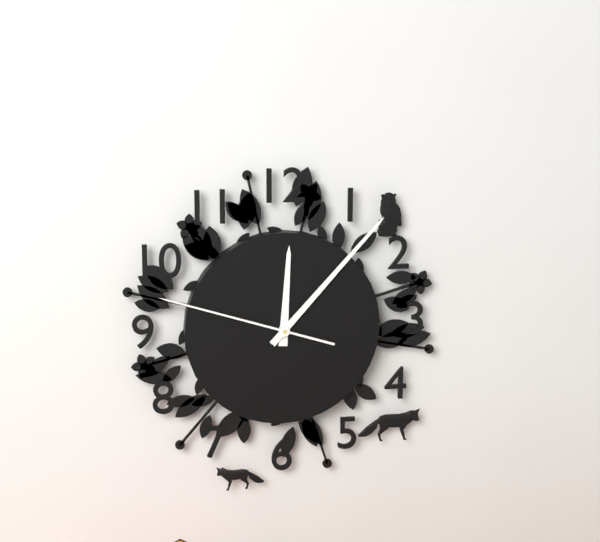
12:07:48
